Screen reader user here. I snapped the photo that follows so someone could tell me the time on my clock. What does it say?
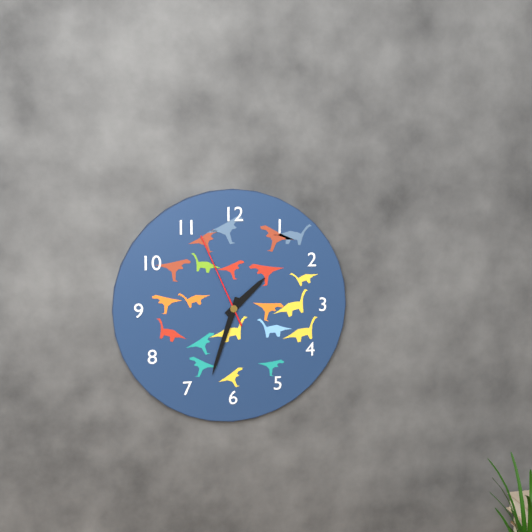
1:33:56
